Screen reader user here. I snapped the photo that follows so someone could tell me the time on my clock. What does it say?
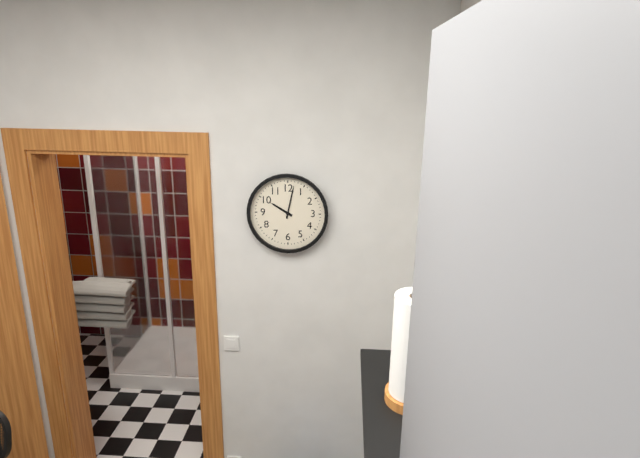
10:02
